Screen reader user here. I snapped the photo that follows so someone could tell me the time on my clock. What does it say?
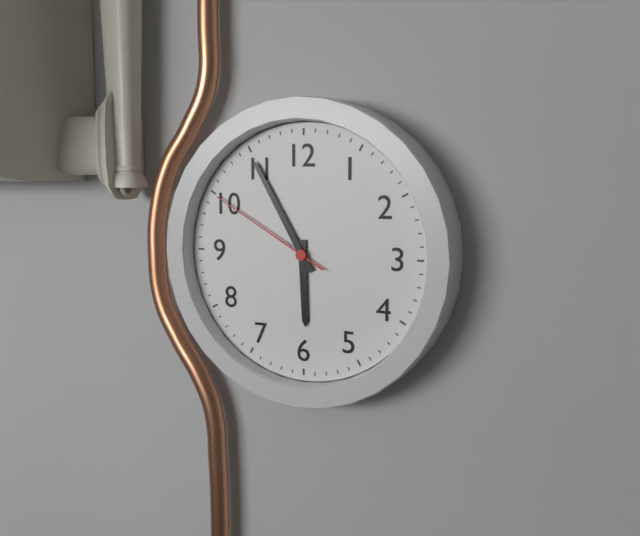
5:55:50
